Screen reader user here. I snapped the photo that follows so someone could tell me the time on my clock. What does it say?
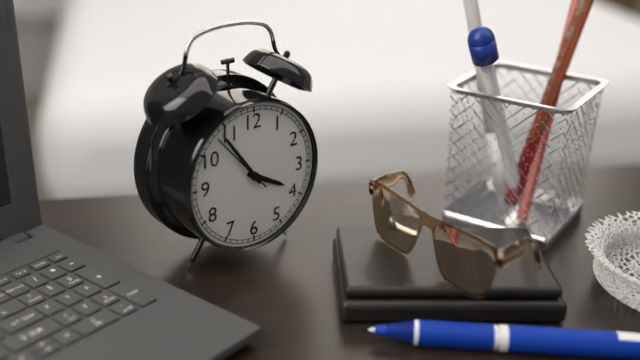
3:54:53
